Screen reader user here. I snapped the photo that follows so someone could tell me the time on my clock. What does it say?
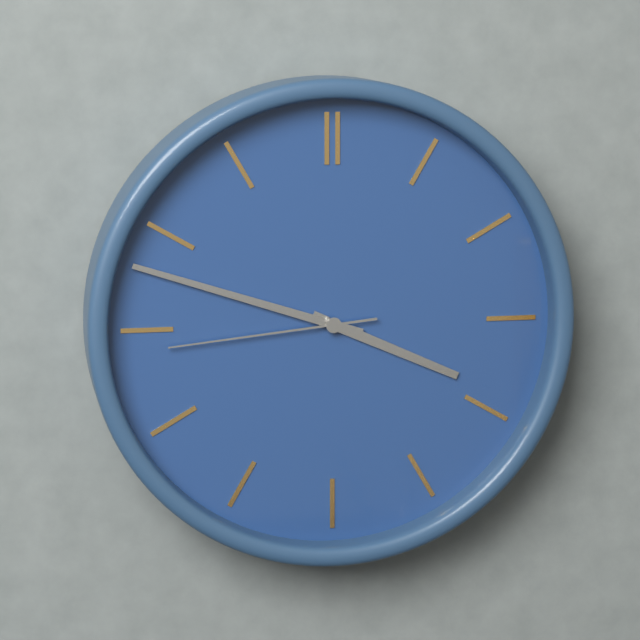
3:48:44
